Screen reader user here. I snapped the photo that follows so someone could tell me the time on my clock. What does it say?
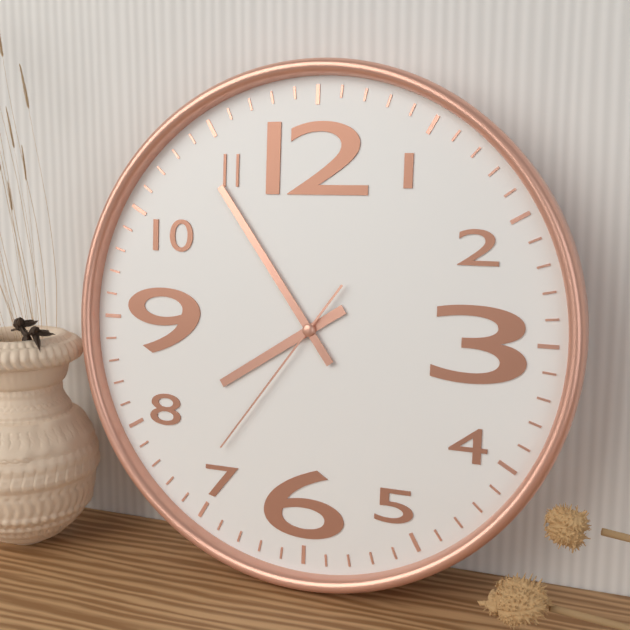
7:54:36
